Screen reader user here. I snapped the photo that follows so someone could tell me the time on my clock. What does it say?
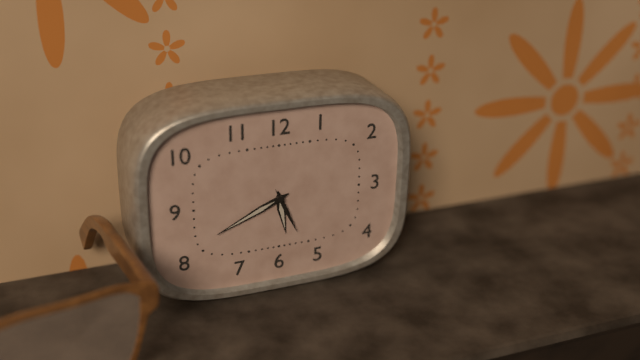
5:41
